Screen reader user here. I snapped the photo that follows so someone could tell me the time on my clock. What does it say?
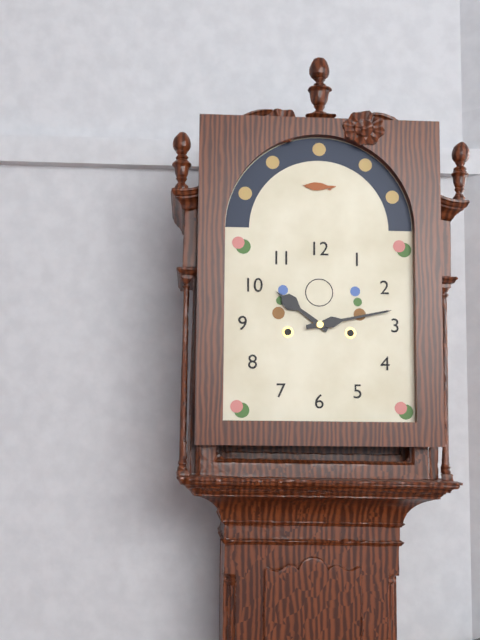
10:13
